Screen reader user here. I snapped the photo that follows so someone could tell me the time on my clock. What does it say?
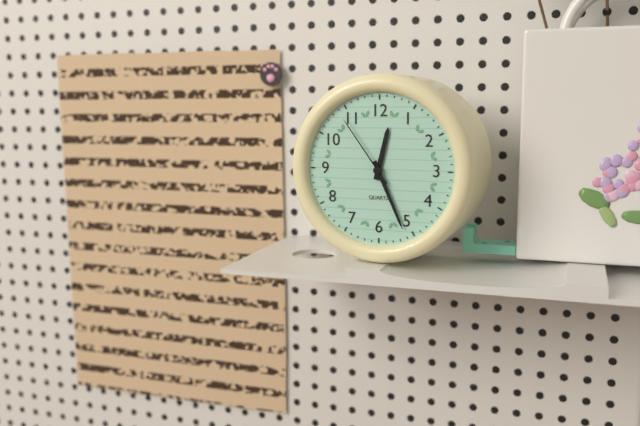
12:26:54
